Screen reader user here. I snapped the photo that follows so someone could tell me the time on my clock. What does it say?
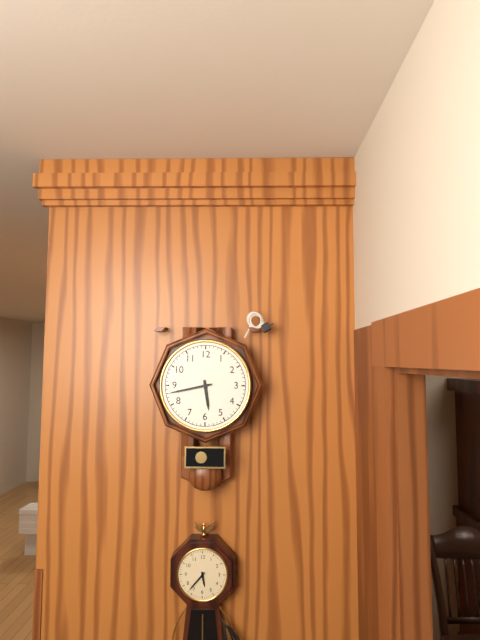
5:43
